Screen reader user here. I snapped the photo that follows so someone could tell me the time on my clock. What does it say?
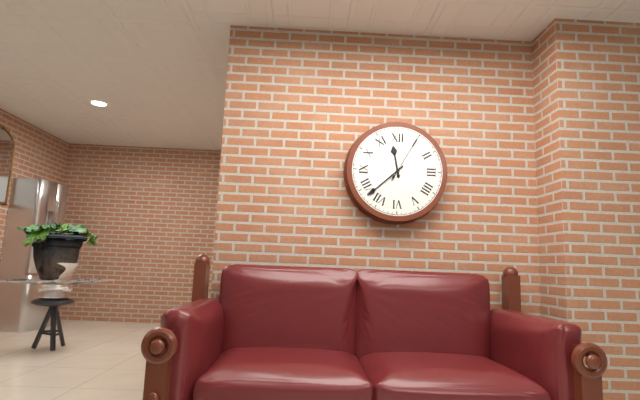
11:38:05
